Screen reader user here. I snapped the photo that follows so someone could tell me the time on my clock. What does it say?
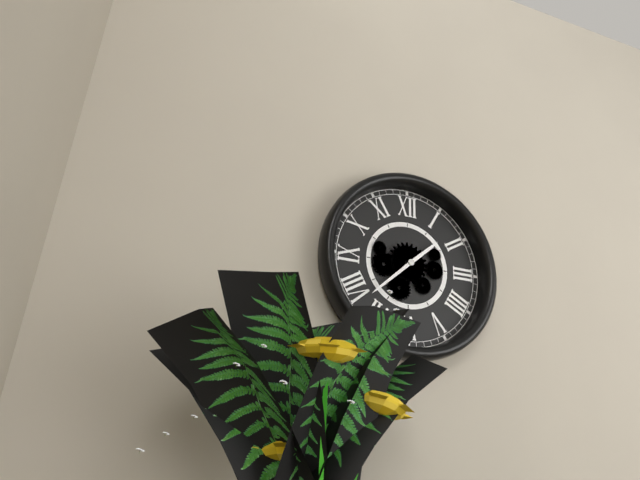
1:38
